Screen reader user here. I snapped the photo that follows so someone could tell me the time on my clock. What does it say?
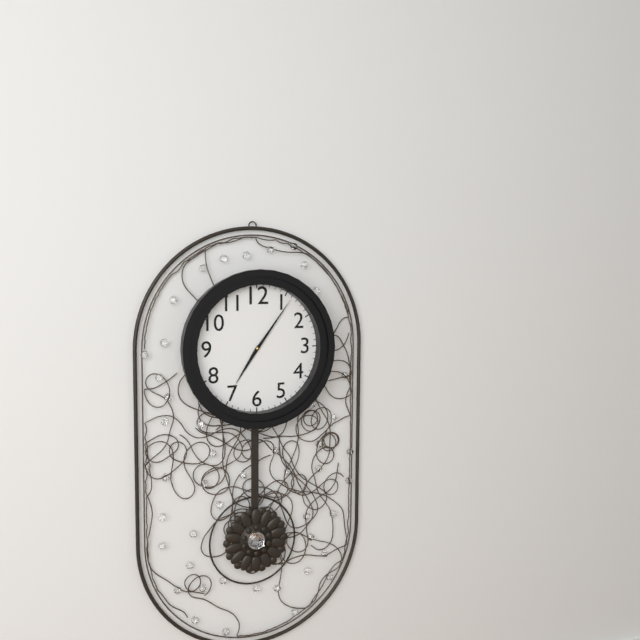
7:06
